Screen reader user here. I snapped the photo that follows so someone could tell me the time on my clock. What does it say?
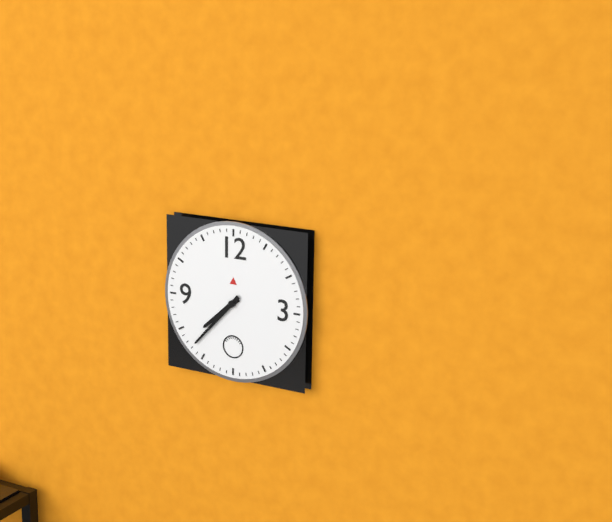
7:37
